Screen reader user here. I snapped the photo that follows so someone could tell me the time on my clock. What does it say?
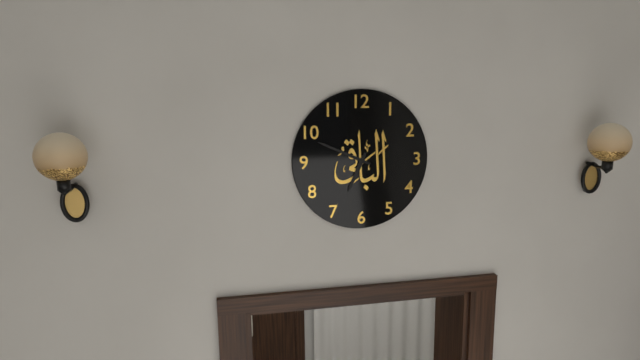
6:49
